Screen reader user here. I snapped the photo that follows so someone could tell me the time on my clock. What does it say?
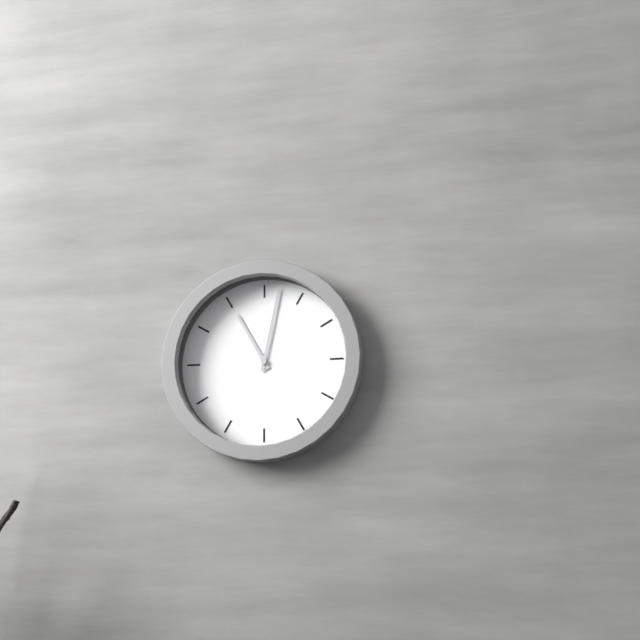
11:02
